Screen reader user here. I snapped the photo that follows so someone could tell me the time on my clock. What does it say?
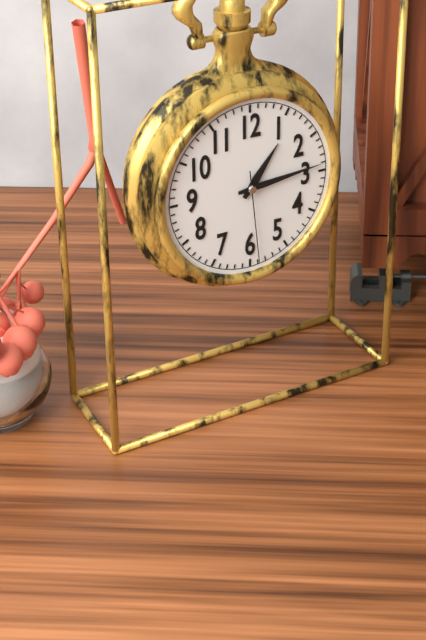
1:14:29
